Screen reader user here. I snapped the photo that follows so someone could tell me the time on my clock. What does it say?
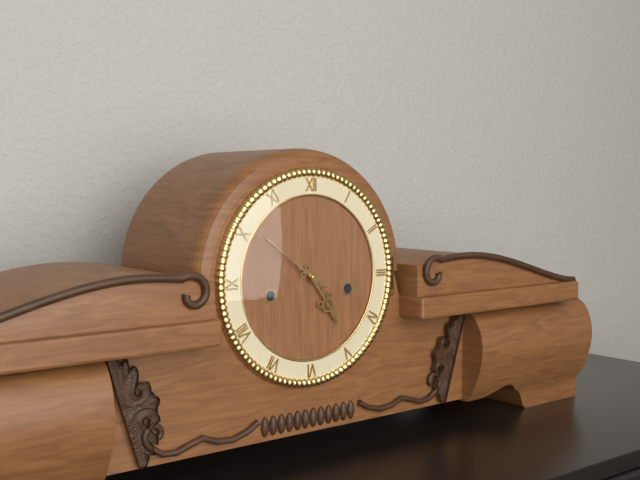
4:51
